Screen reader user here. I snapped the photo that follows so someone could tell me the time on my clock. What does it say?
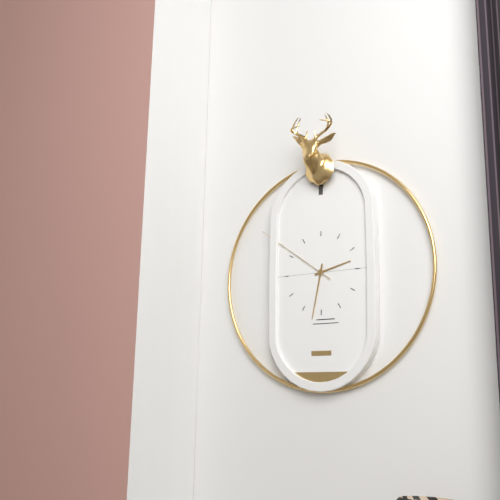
2:32:51
